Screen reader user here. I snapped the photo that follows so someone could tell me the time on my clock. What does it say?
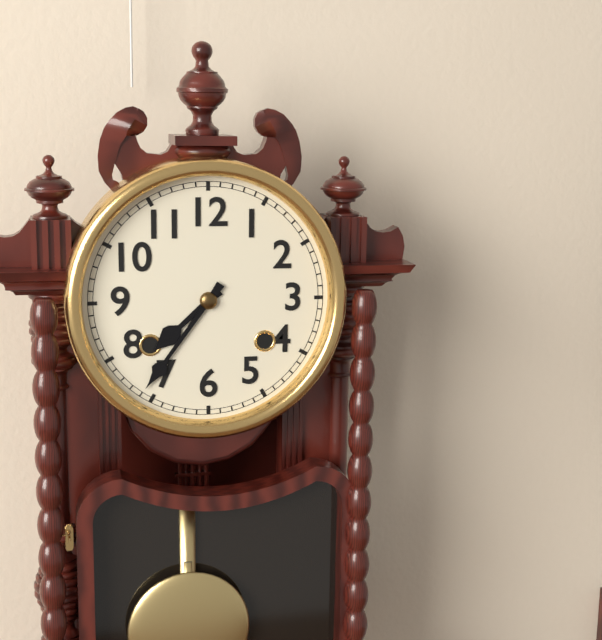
7:36
